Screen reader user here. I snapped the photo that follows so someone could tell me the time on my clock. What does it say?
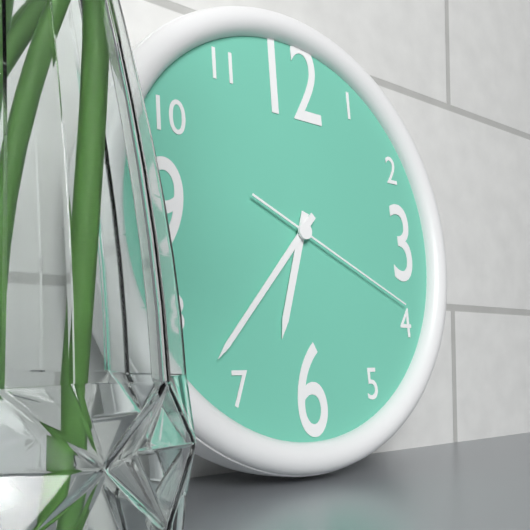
6:37:19
